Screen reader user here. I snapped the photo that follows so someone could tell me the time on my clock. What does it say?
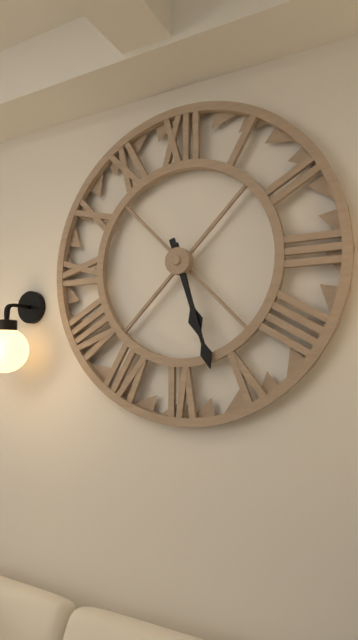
5:27
